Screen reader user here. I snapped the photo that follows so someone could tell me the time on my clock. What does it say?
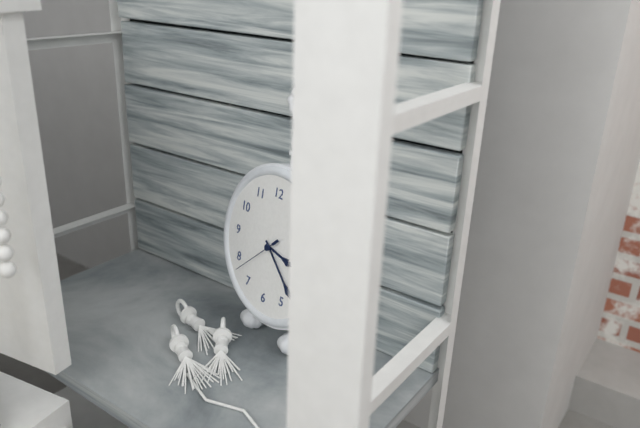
3:22
